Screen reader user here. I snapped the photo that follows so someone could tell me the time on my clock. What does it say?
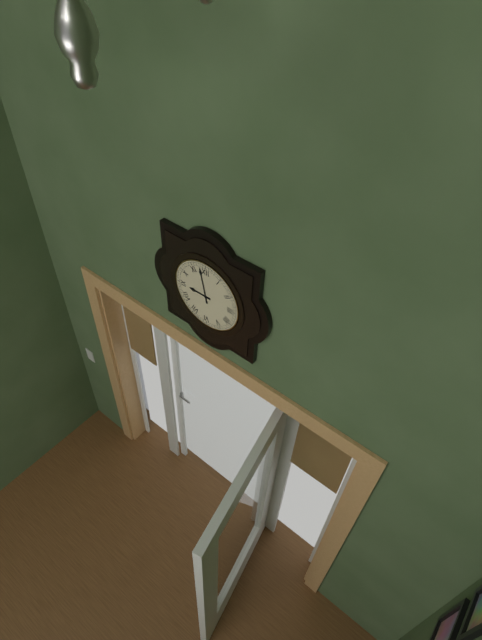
8:58
